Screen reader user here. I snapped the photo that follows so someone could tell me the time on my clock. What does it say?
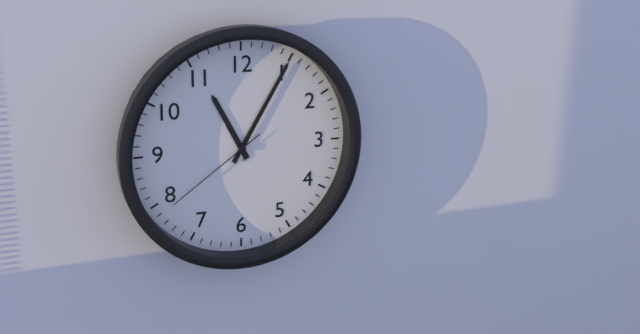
11:05:39
